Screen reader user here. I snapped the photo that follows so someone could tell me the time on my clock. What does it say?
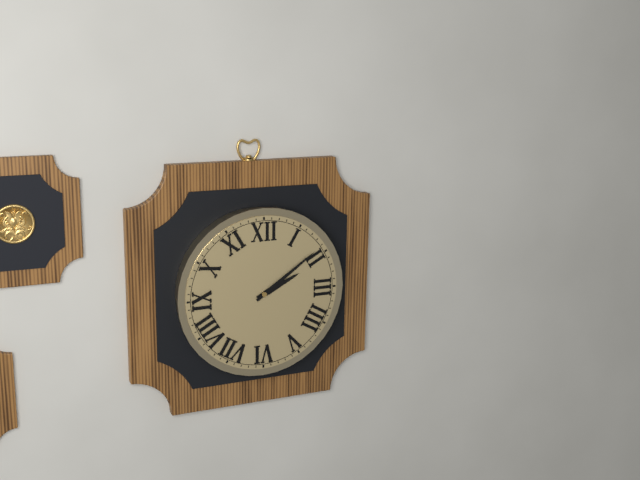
2:09
